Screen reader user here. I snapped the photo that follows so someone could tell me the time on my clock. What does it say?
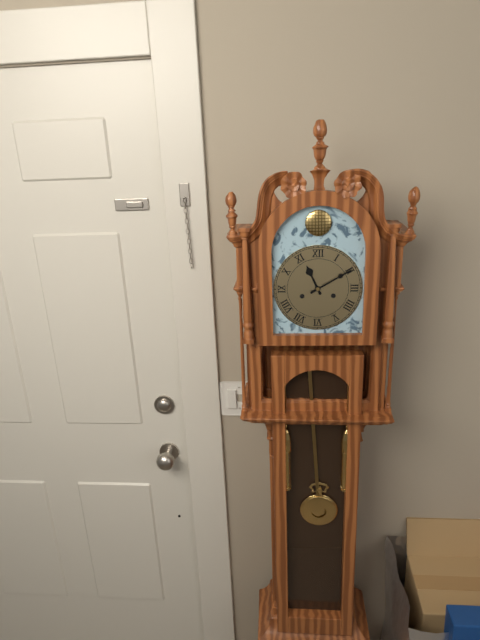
11:10
